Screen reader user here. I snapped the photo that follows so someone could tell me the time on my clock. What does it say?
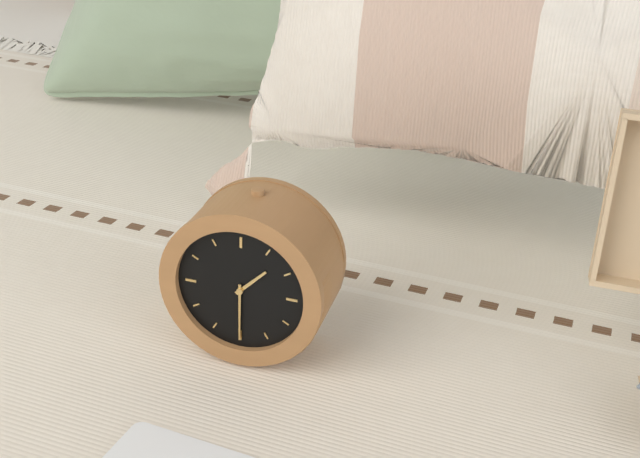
1:30
